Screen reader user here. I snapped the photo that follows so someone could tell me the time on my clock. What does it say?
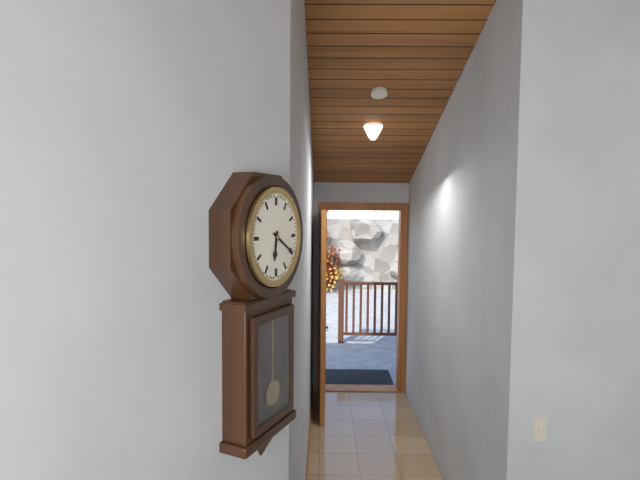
6:20
